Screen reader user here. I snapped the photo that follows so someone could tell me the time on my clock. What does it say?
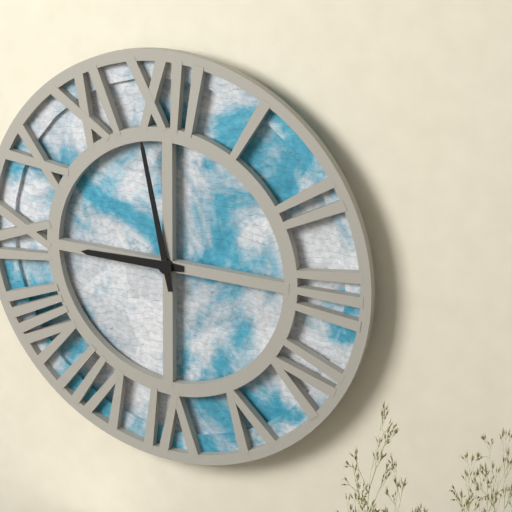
8:58
